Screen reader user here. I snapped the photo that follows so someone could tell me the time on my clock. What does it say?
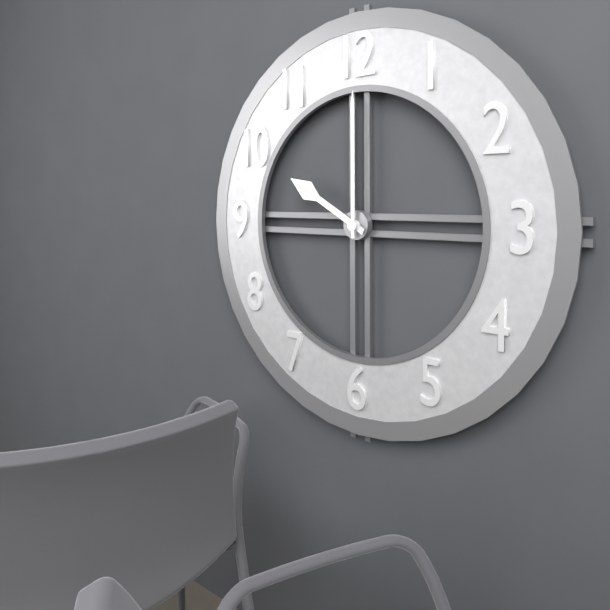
10:00
